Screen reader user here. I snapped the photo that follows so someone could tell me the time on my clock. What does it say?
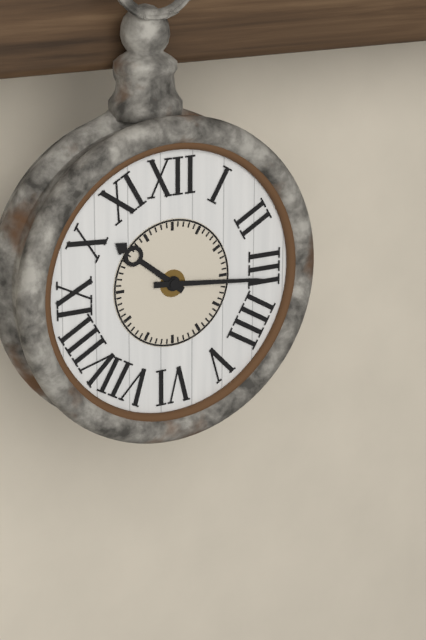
10:16
